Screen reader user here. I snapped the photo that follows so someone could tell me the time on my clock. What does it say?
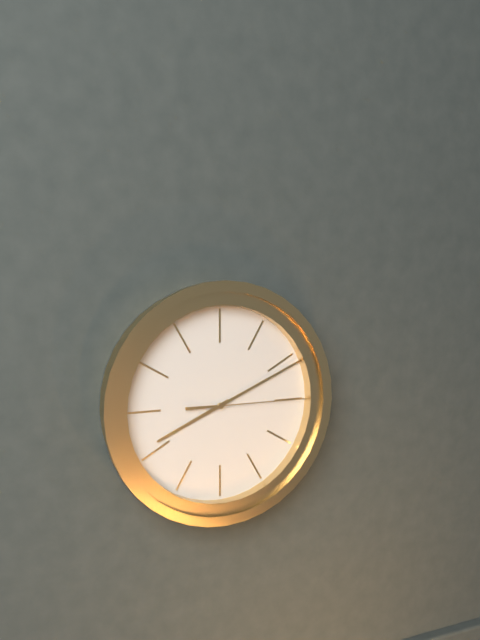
8:11:15
